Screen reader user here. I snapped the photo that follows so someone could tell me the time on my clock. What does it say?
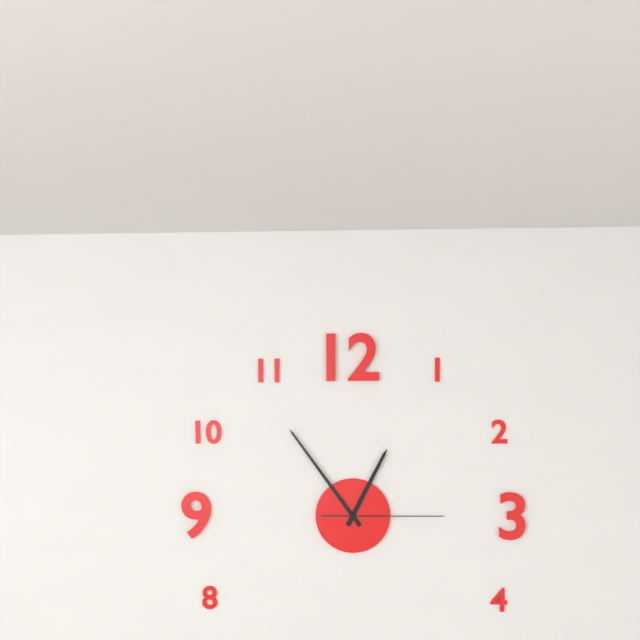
12:54:15
